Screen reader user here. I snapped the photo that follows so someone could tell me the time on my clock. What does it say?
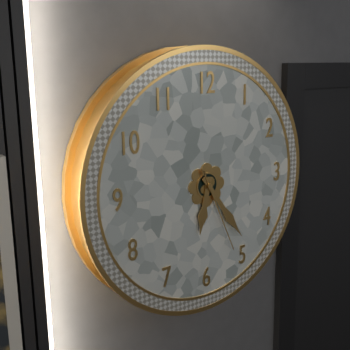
6:24:26
